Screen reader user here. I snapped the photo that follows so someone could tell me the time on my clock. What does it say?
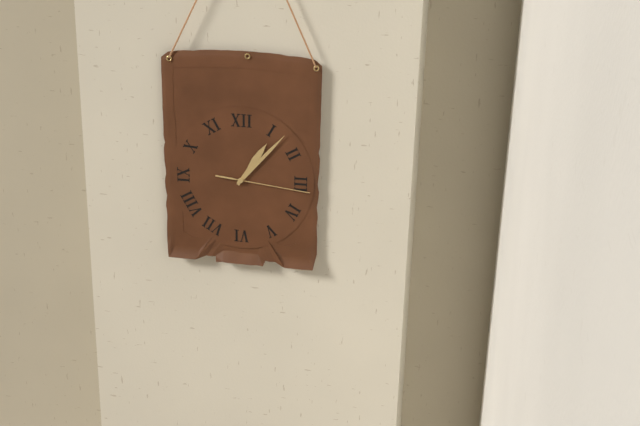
1:07:16
